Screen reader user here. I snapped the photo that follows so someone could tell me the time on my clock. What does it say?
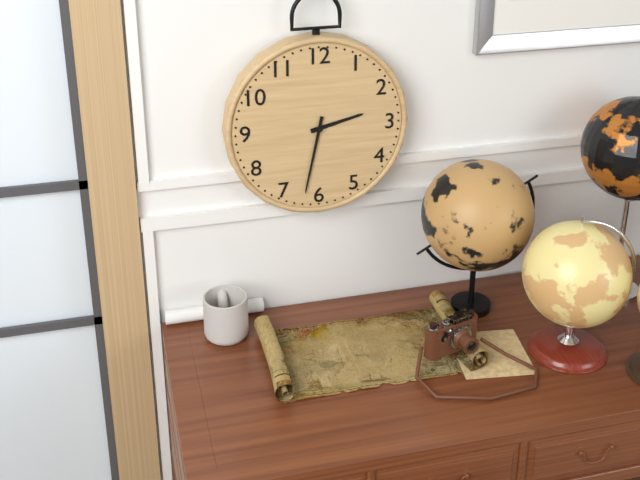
2:32
